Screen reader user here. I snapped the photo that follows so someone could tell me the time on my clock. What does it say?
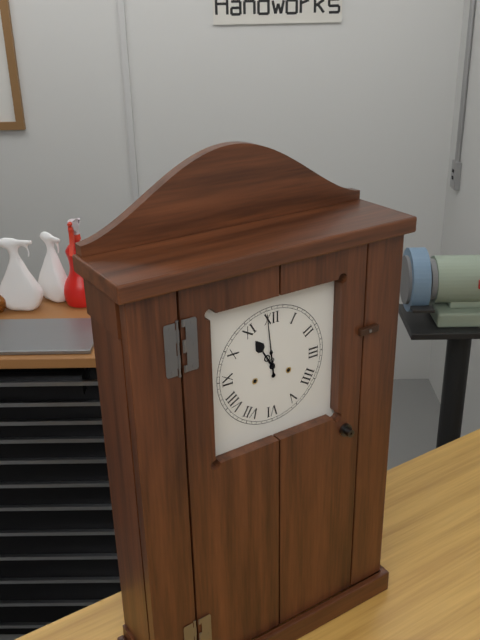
10:59
